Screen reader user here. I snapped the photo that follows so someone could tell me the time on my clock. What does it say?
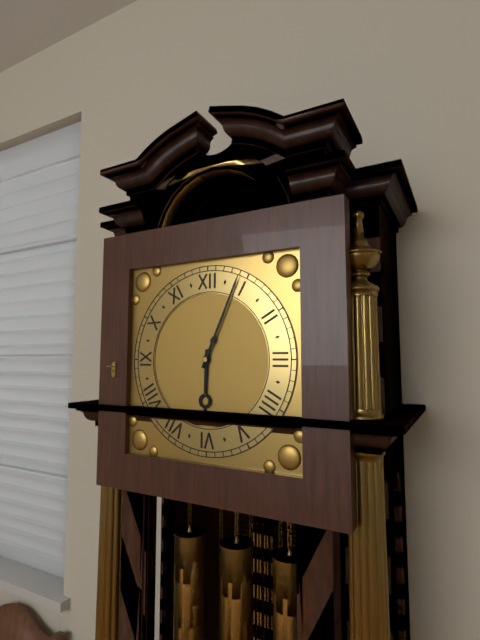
6:04
